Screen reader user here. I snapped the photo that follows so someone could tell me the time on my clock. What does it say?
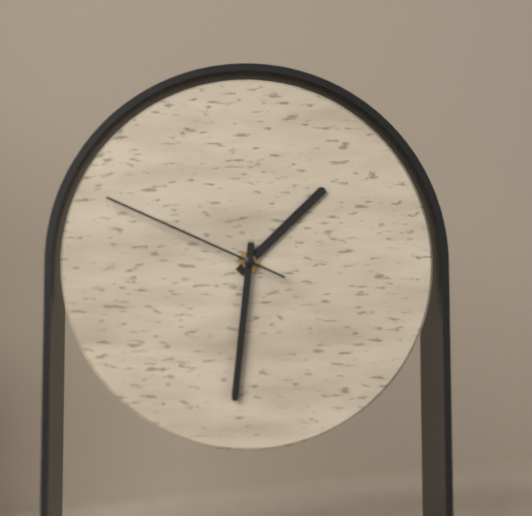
1:31:49
